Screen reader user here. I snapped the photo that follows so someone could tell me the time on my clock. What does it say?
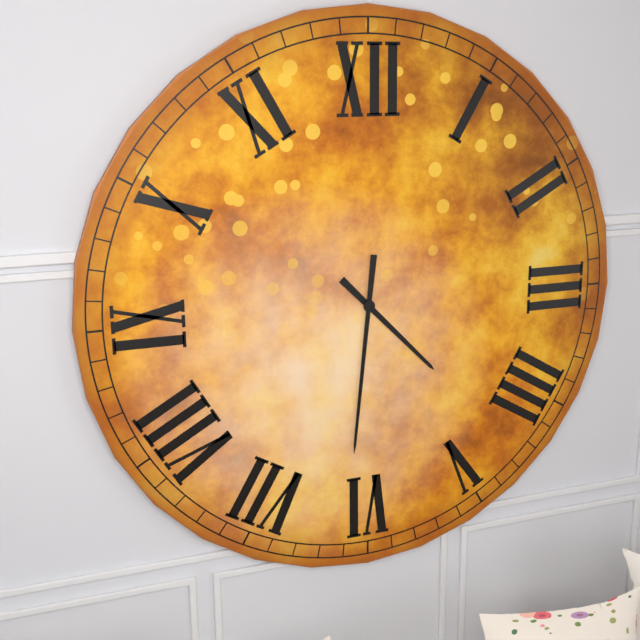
4:31
